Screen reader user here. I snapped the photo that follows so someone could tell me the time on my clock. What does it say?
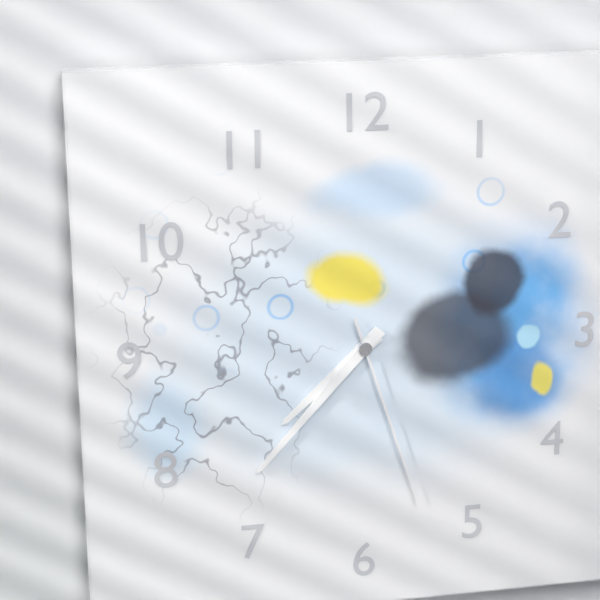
7:37:27
